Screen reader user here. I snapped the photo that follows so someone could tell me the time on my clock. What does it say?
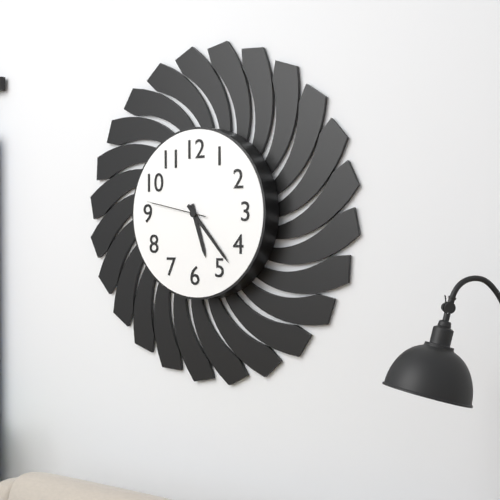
5:23:47
